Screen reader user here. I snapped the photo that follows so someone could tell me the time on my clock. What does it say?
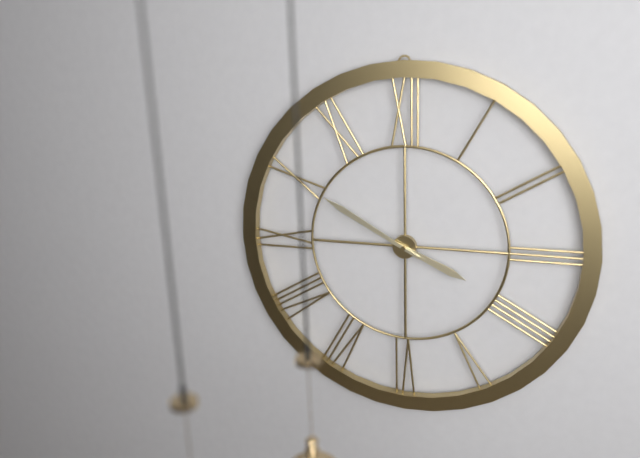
3:50
